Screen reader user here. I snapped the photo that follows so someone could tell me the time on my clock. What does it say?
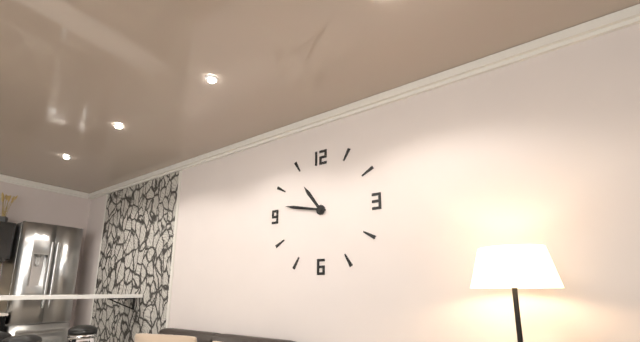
10:47
